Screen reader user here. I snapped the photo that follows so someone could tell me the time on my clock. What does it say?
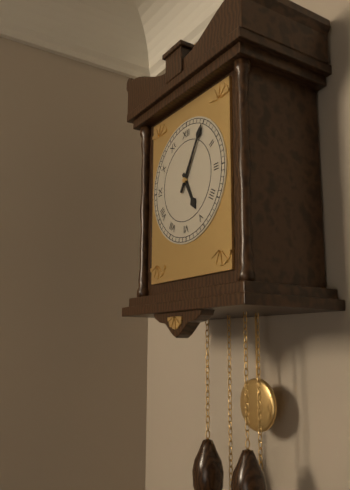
5:05
